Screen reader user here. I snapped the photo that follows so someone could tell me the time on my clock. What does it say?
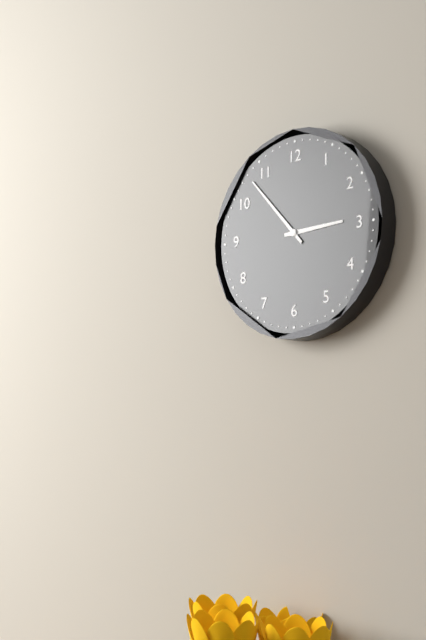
2:53
